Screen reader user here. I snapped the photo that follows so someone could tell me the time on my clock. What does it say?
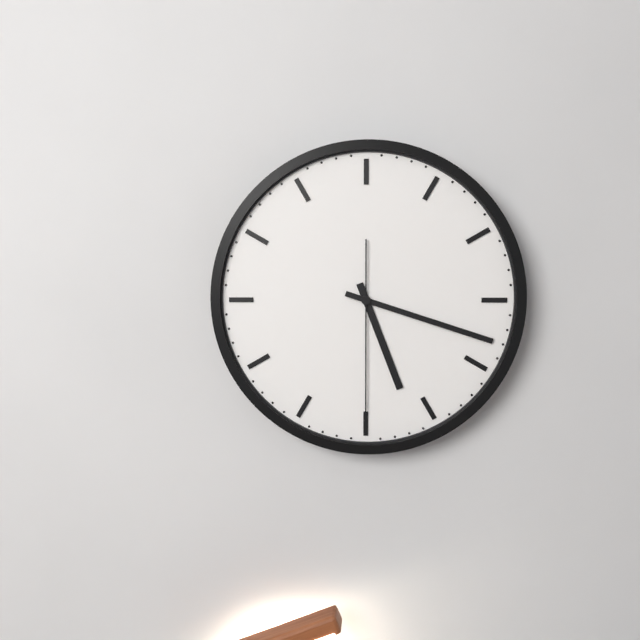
5:18:30
